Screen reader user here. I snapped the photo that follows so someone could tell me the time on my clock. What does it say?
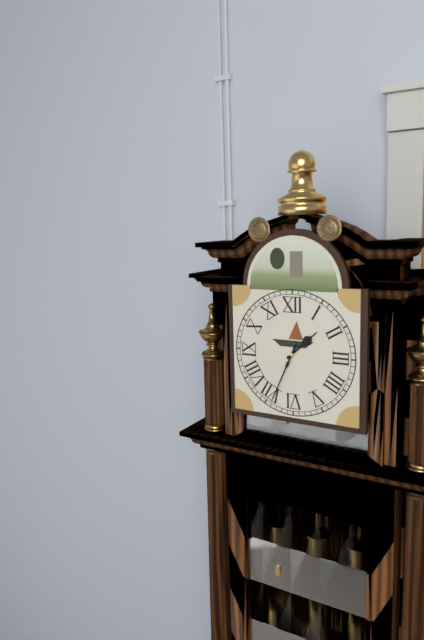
1:34
